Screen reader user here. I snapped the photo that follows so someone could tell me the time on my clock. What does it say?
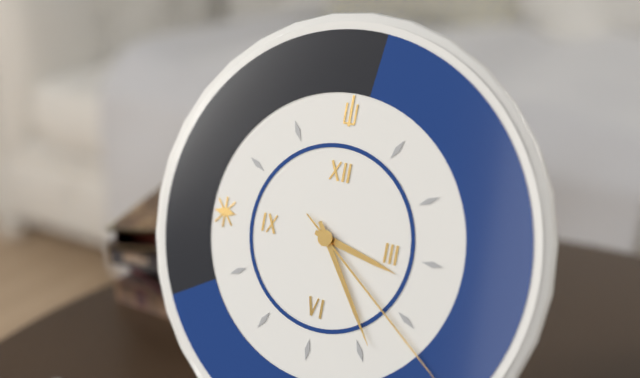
3:24
